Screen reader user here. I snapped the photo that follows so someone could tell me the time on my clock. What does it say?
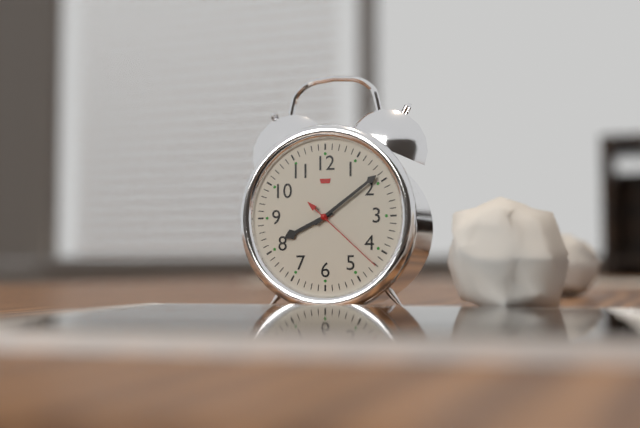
8:09:22
